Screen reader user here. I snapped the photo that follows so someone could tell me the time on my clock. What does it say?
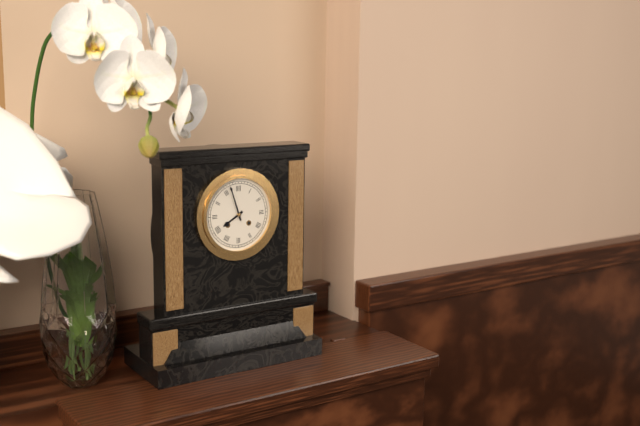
7:57
